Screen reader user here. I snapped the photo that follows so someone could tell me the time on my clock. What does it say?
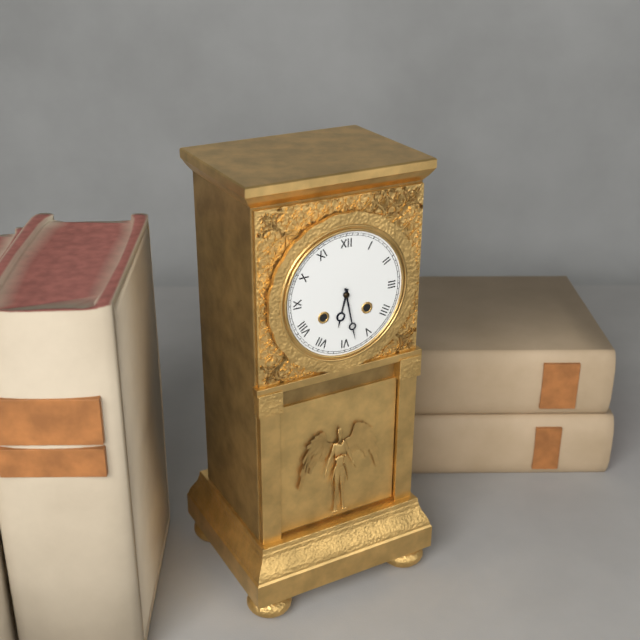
6:28
